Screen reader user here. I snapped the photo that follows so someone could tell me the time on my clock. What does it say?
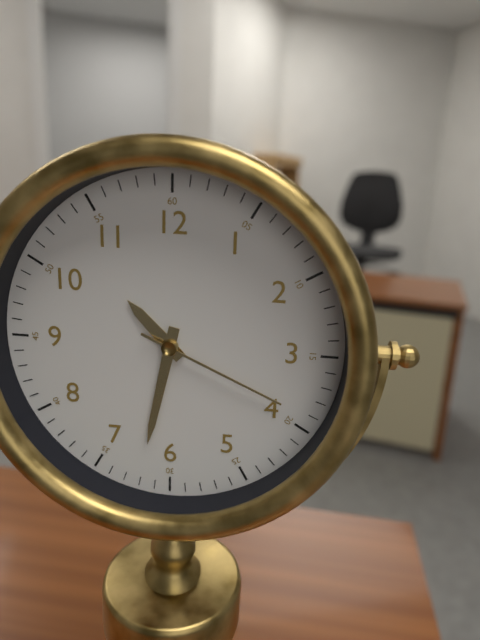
10:32:19
